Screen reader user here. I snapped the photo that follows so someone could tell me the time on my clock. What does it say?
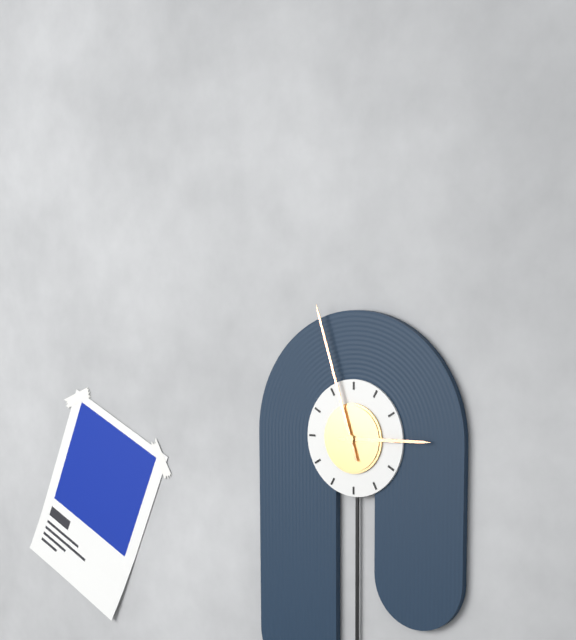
2:57
